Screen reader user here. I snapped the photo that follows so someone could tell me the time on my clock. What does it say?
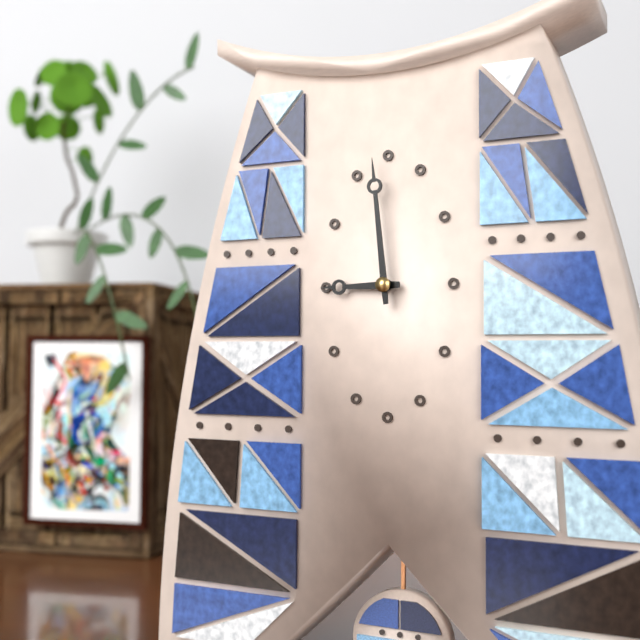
8:59
